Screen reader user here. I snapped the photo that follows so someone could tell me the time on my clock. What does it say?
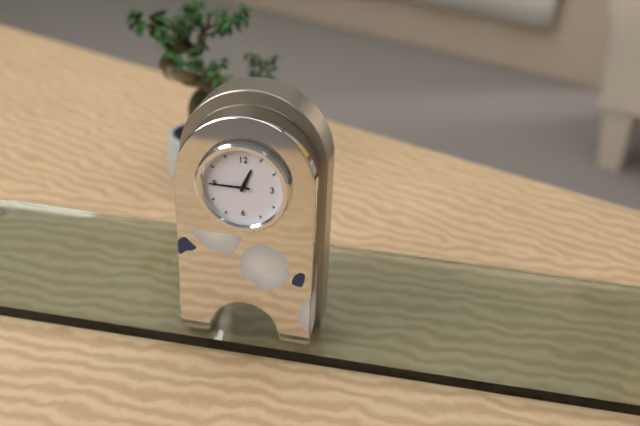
12:45
